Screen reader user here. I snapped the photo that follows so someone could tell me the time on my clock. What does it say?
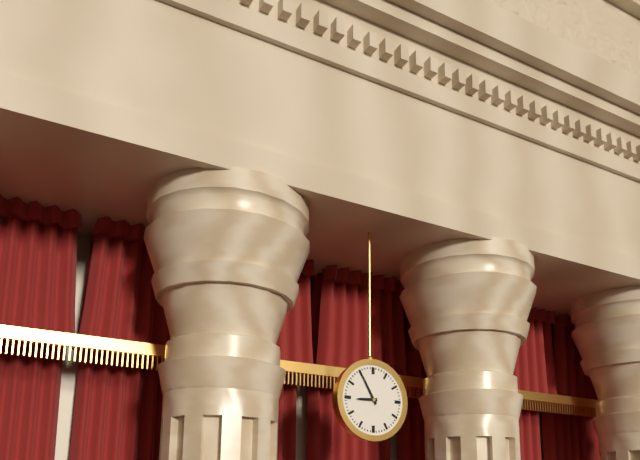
8:55
